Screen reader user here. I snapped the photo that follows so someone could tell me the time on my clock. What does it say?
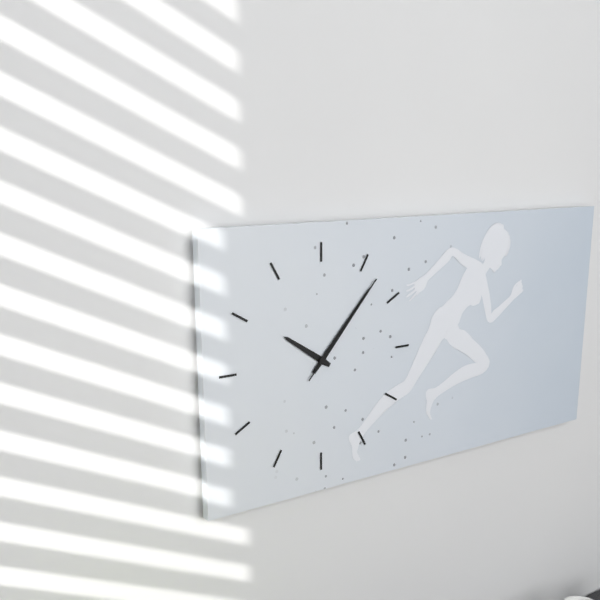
10:07:07
